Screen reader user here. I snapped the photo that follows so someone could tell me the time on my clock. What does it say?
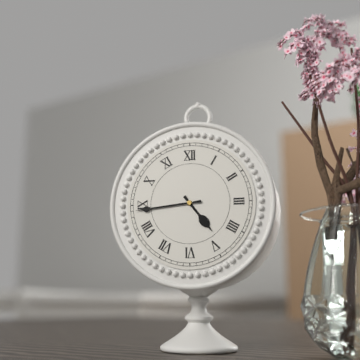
4:44
